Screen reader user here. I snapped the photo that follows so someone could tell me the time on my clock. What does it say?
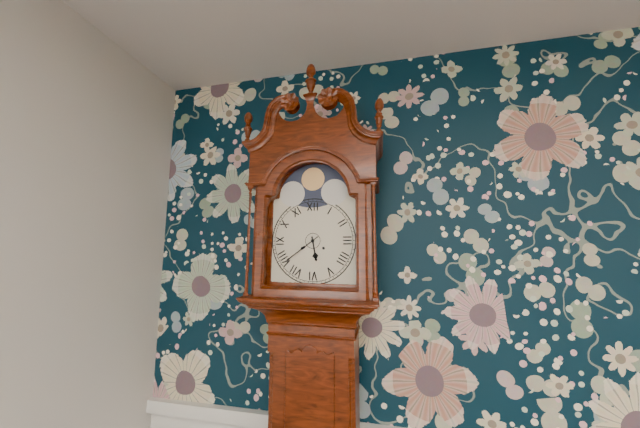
5:39
